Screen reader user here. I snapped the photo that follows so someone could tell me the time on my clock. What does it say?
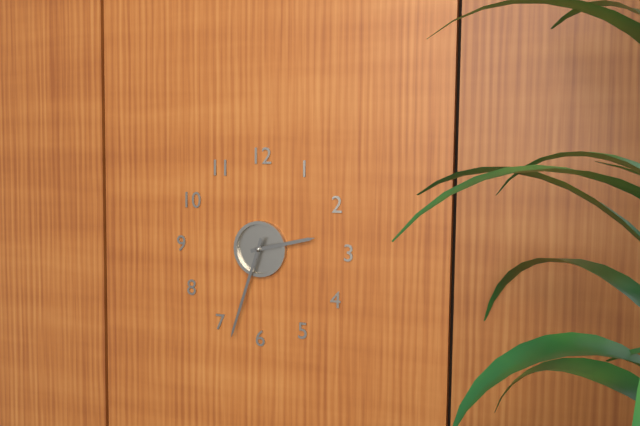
2:33
